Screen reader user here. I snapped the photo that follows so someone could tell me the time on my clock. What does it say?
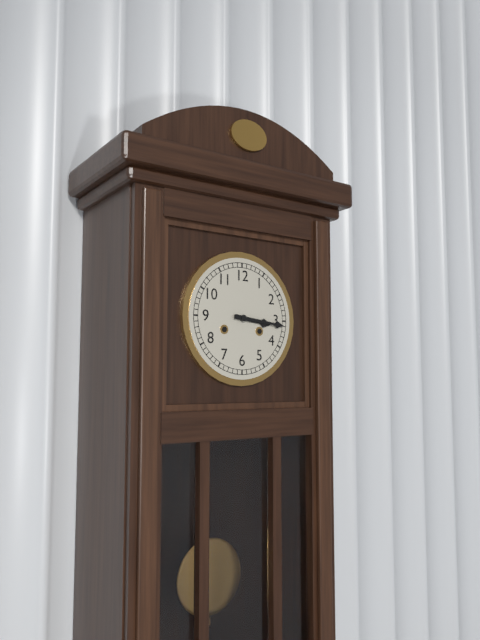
3:16
